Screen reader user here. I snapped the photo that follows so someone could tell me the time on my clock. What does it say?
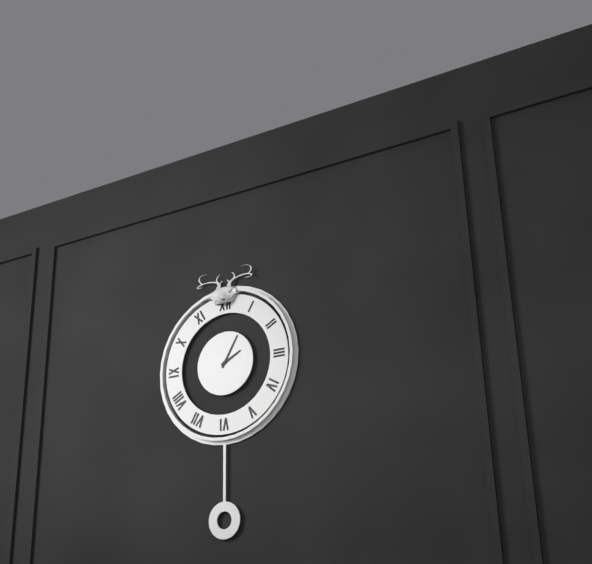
2:05
